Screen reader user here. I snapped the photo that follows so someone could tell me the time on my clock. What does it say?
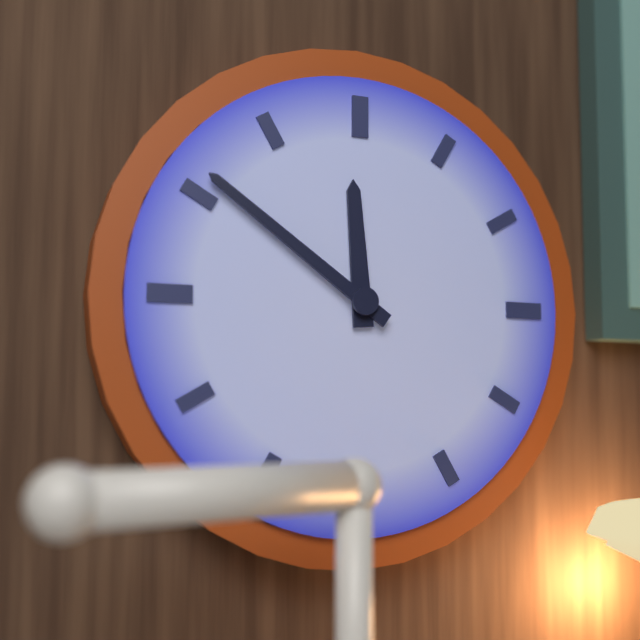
11:51
